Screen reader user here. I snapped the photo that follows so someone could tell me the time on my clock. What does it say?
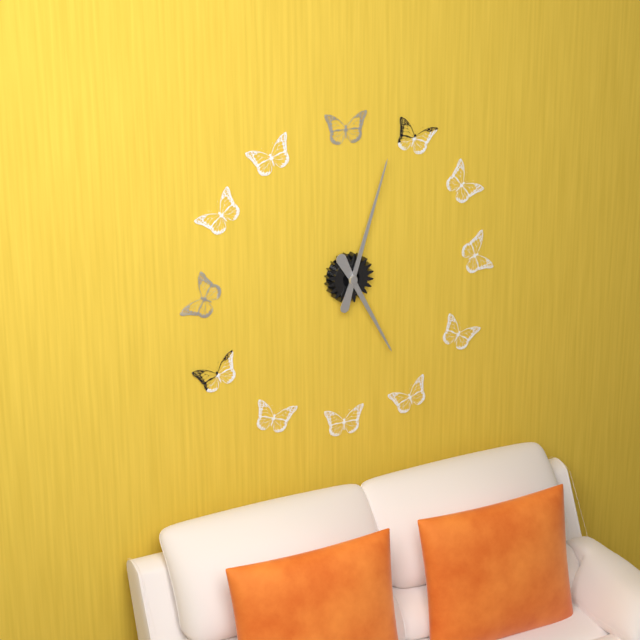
5:03
